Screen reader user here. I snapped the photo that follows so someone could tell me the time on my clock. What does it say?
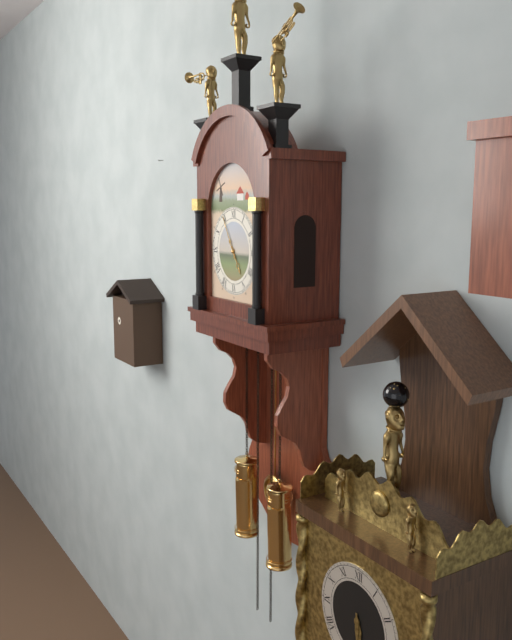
4:55
